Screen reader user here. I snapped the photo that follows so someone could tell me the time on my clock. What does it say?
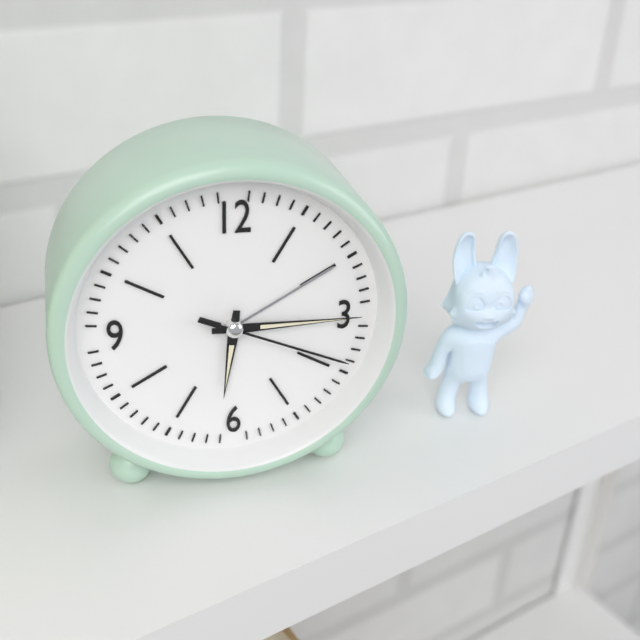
6:15:19
